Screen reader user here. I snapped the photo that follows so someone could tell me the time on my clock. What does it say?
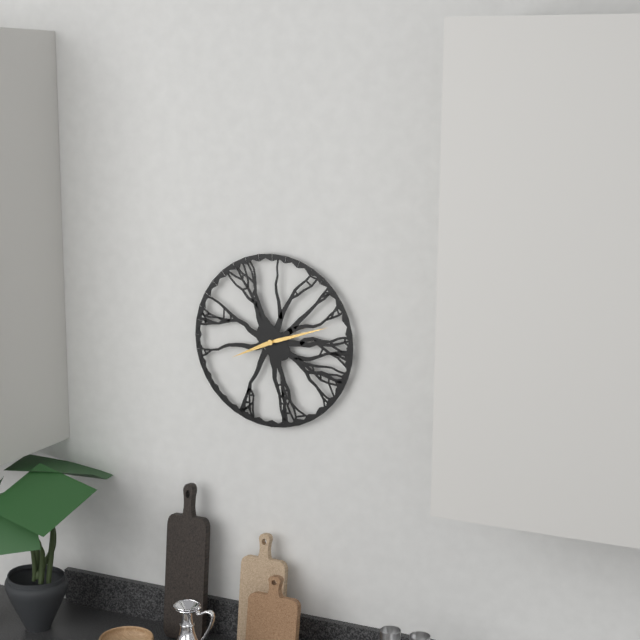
8:12
